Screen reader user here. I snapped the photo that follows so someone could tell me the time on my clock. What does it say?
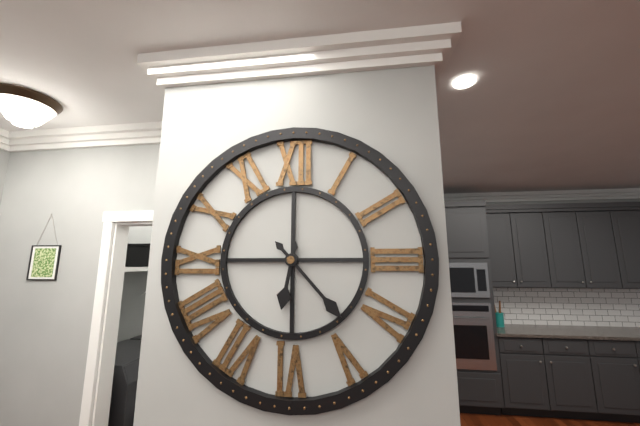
6:23
